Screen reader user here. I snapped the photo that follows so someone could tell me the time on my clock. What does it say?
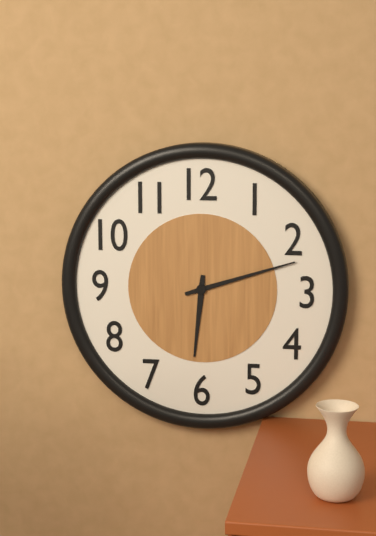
6:12
